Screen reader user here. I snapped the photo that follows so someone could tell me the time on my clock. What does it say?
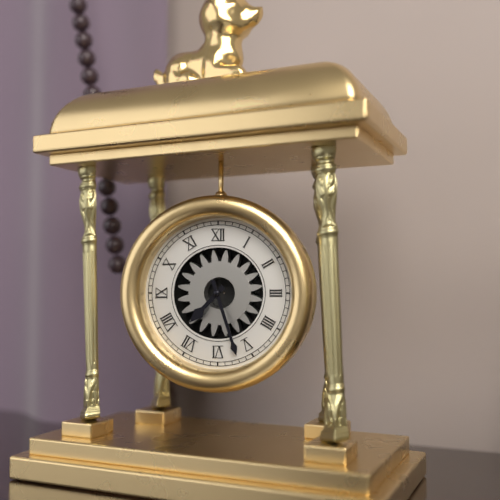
7:27
